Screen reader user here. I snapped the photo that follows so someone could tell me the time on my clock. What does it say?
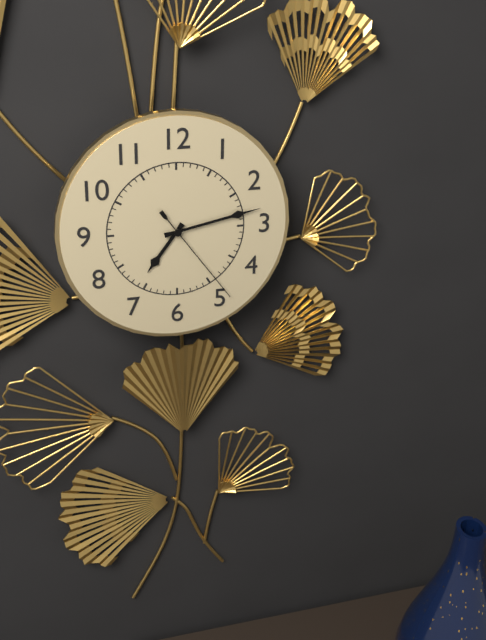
7:13:24
